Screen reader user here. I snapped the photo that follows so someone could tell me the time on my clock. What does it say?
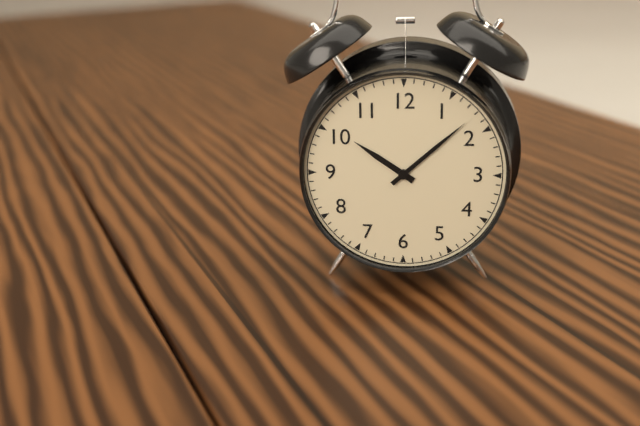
10:08
